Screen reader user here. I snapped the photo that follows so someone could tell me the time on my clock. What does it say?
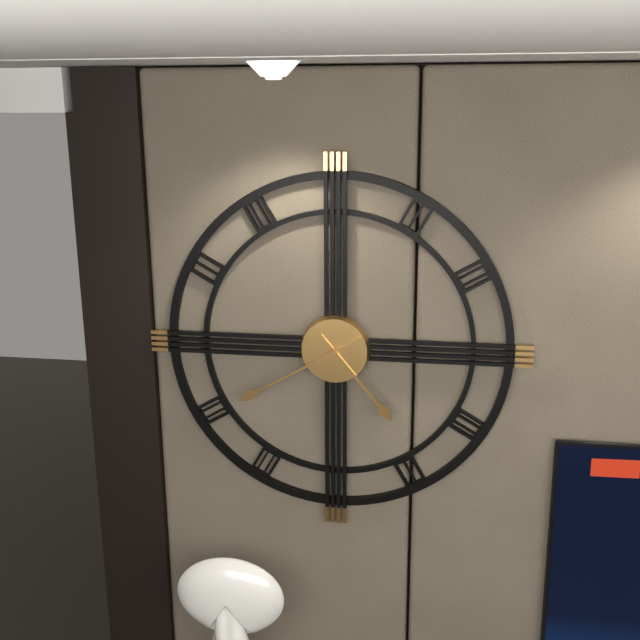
4:40
